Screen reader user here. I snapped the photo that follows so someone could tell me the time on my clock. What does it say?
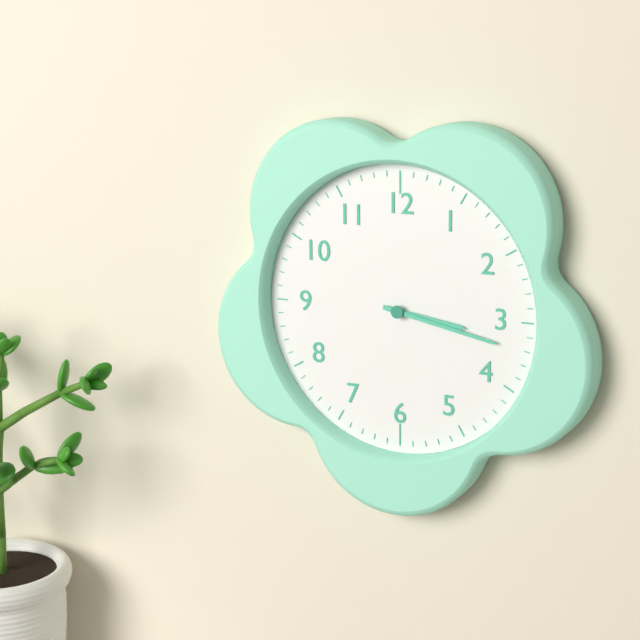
3:17
